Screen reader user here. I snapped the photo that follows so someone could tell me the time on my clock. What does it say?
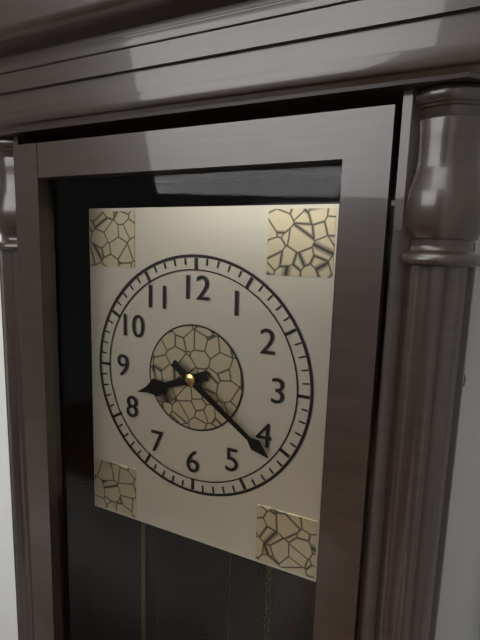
8:21
